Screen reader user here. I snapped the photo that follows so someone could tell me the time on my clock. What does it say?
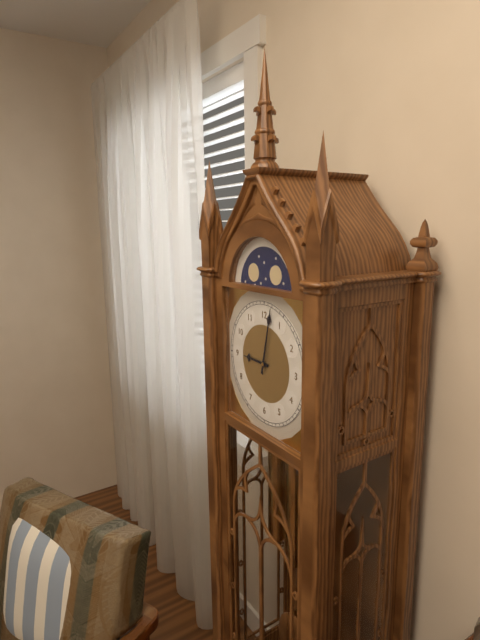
9:02
